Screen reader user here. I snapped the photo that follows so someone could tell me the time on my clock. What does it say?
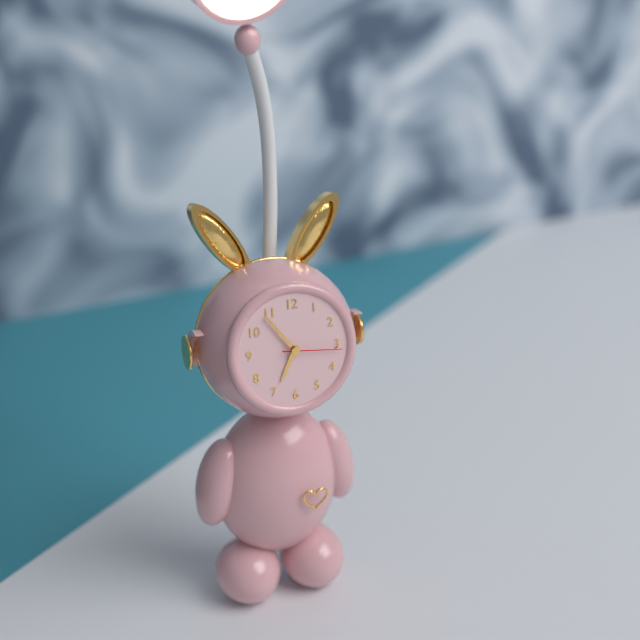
6:54:16
